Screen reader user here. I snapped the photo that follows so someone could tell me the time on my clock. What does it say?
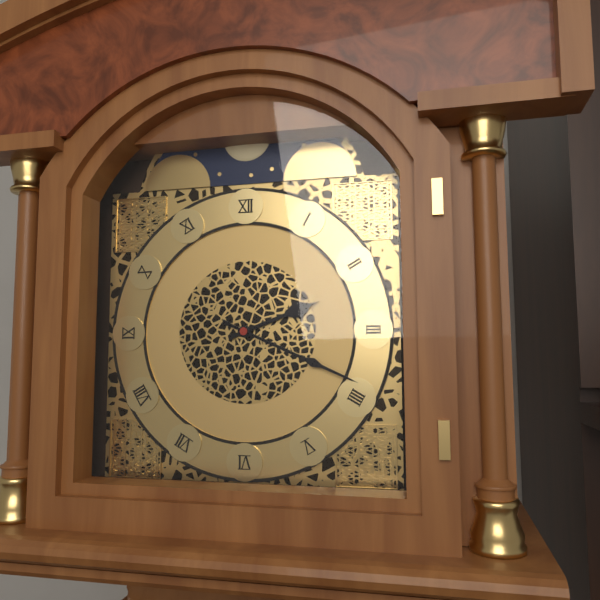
2:19
